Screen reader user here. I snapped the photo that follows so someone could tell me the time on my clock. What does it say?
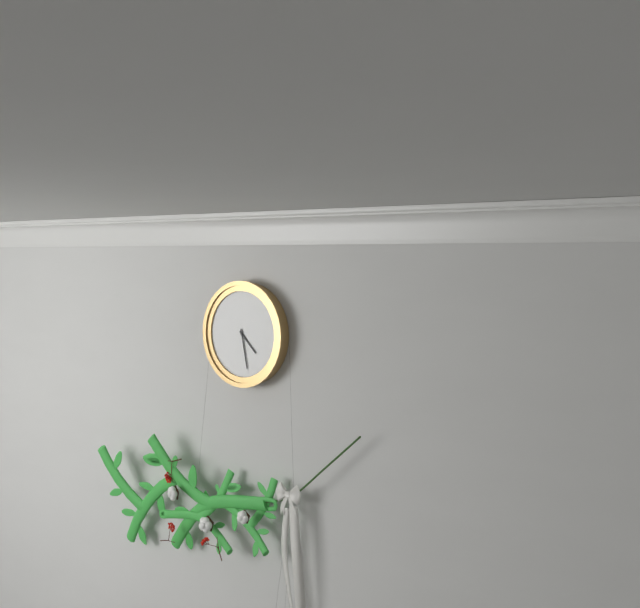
4:28
